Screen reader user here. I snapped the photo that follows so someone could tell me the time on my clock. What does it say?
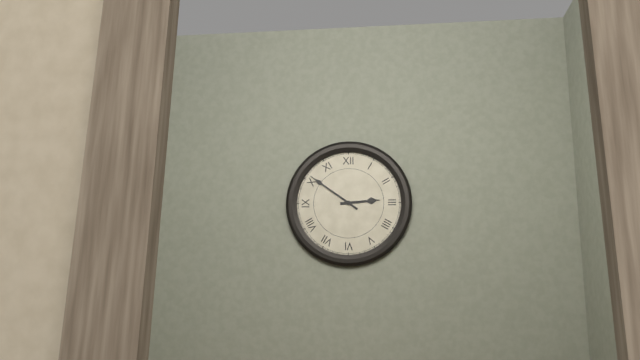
2:51
